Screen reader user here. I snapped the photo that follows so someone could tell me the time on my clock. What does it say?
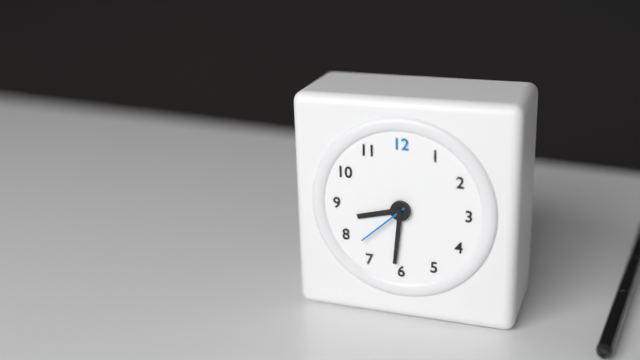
8:31:38
